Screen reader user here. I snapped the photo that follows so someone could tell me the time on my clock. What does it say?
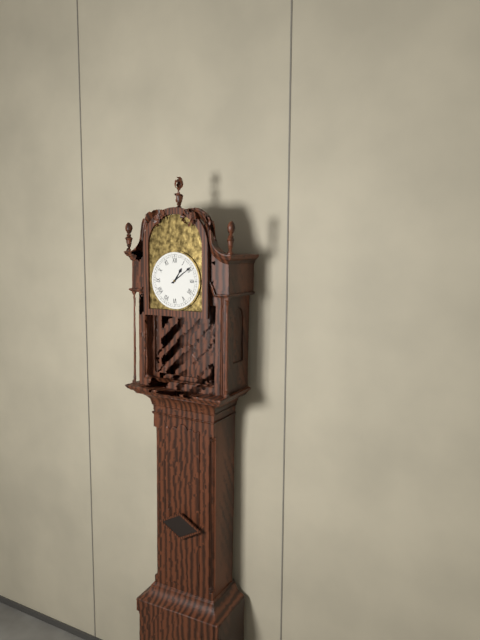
1:09
